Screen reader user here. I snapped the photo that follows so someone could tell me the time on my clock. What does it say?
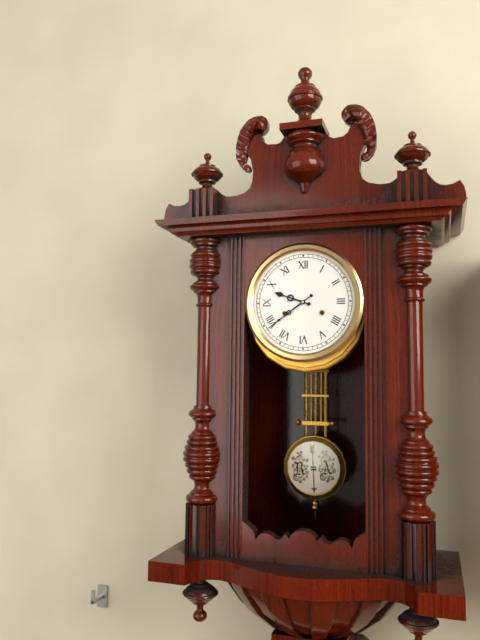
9:39
